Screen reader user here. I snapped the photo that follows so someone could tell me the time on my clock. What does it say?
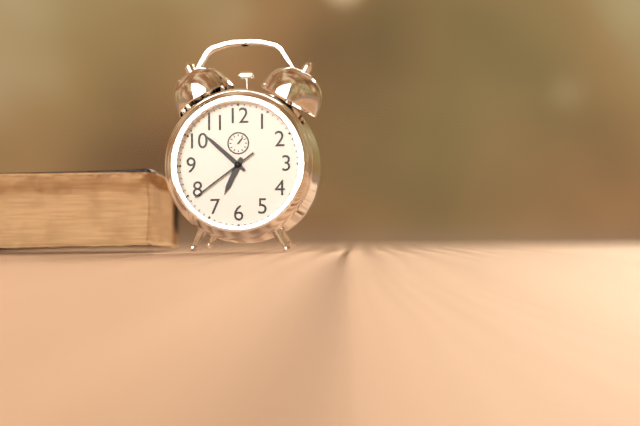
6:52:39
